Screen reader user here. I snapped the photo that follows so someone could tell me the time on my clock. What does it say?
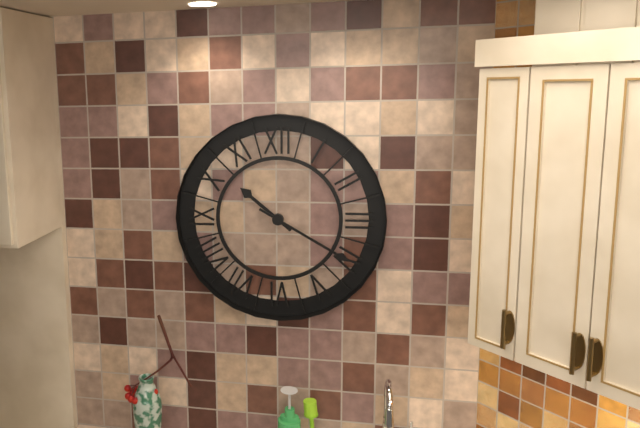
10:20
